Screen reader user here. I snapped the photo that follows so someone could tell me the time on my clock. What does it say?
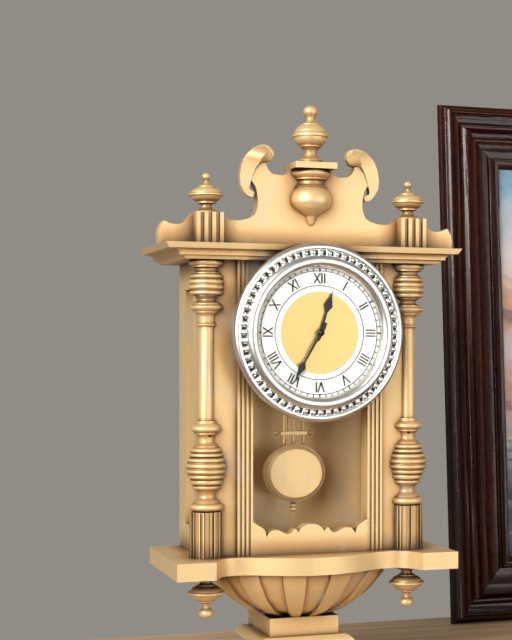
12:35
